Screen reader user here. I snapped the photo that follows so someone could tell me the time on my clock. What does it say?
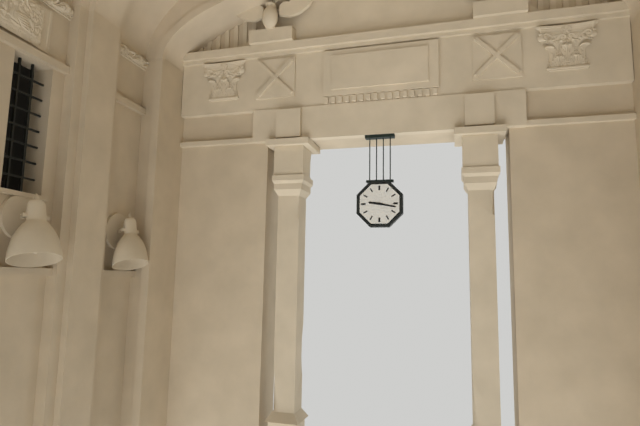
9:17
